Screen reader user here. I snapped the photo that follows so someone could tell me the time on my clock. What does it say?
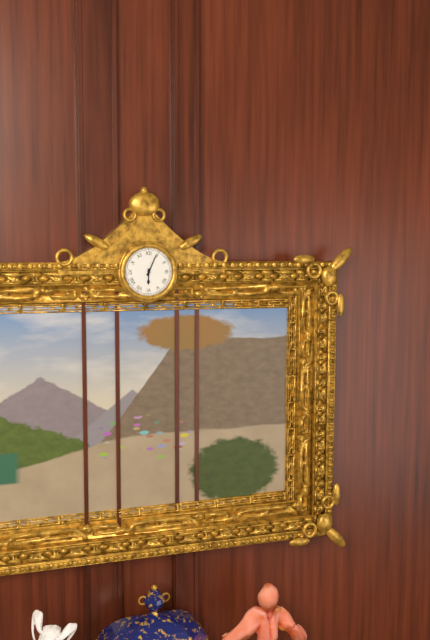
6:04
